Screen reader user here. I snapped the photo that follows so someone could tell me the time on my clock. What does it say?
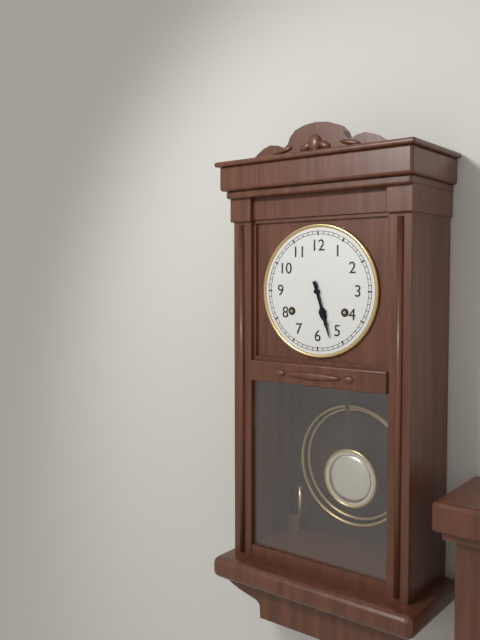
5:27
